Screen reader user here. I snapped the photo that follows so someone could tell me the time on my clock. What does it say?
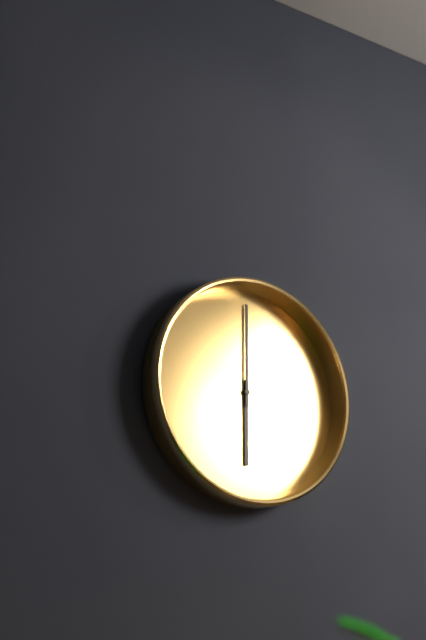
6:00
